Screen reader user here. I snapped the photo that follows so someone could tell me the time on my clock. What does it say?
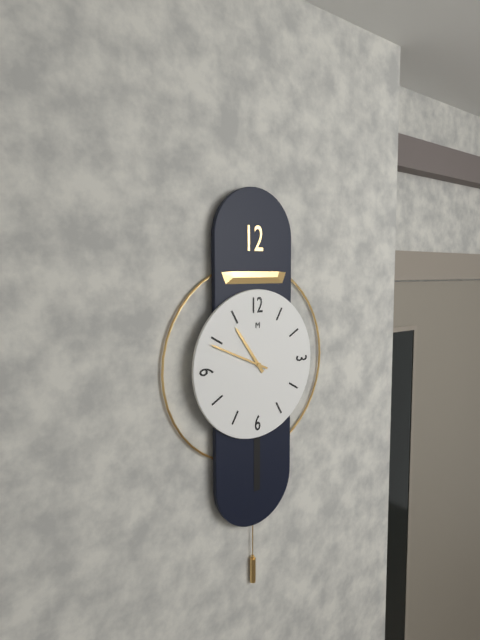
10:49
